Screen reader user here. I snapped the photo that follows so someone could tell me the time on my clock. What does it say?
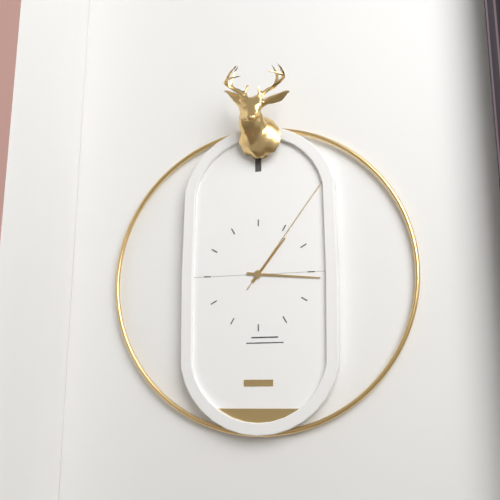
1:16:06
